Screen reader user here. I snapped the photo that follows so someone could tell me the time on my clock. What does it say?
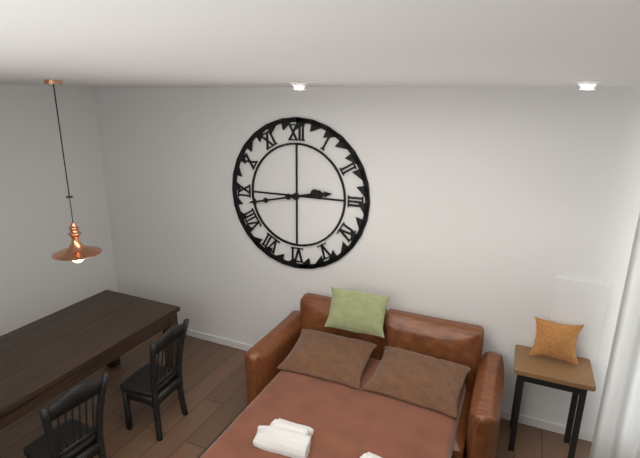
2:43
